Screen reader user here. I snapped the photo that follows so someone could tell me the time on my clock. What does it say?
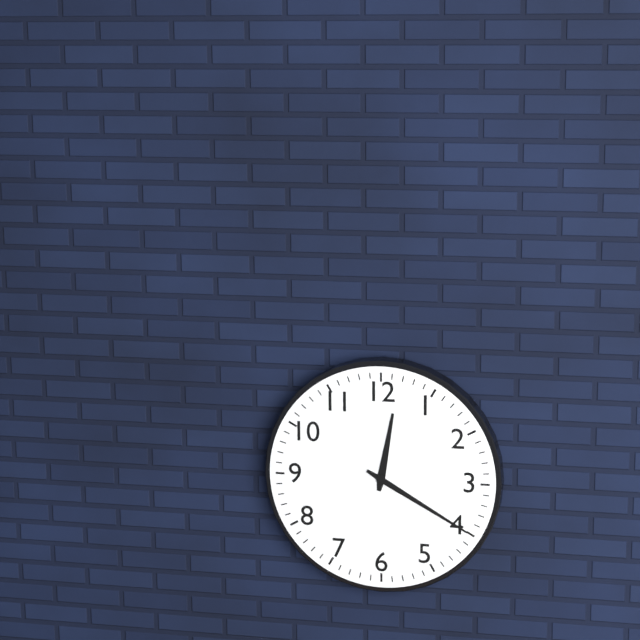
12:20
